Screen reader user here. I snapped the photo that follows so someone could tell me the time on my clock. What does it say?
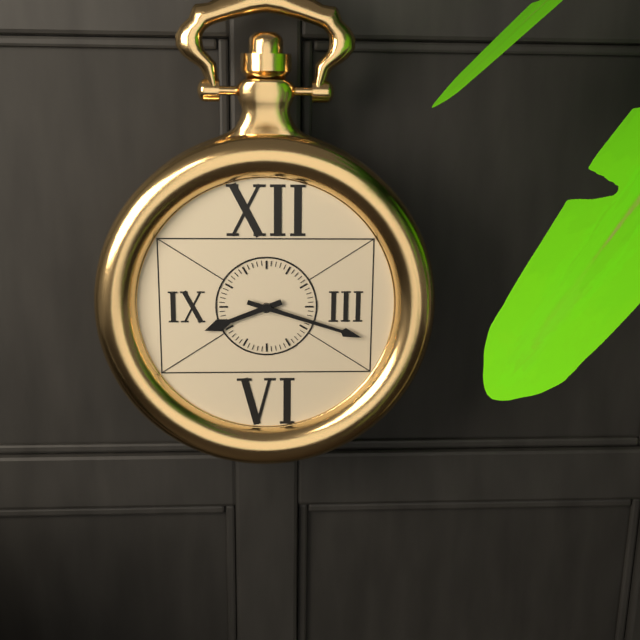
8:18
